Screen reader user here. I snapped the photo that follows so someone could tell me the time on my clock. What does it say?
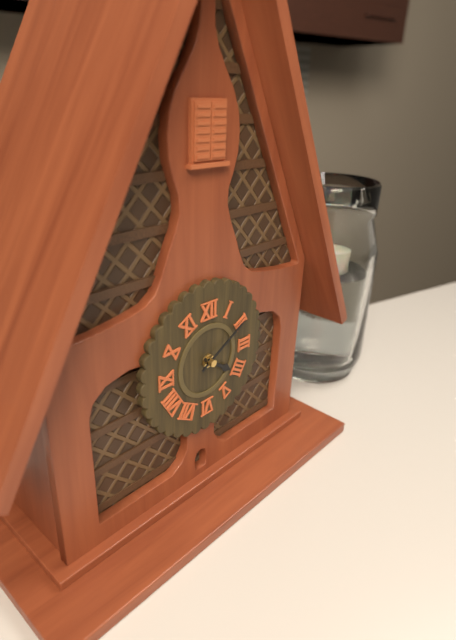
4:10
